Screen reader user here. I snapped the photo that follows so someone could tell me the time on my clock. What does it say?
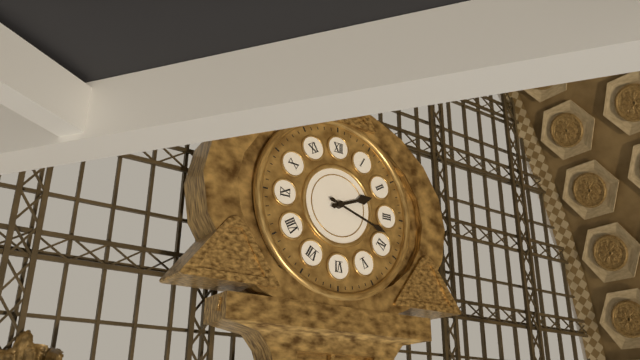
2:18
